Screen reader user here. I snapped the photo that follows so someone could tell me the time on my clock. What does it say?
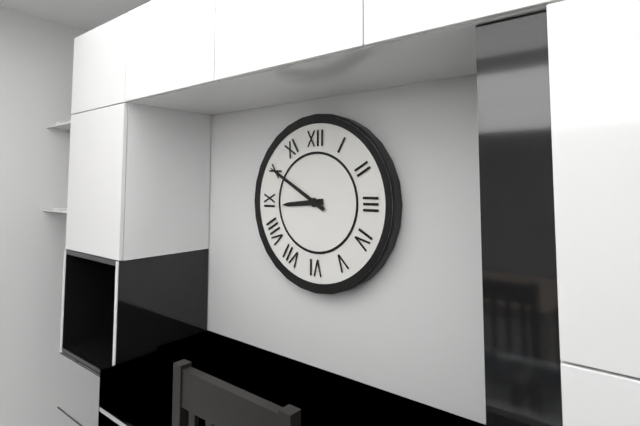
8:50
